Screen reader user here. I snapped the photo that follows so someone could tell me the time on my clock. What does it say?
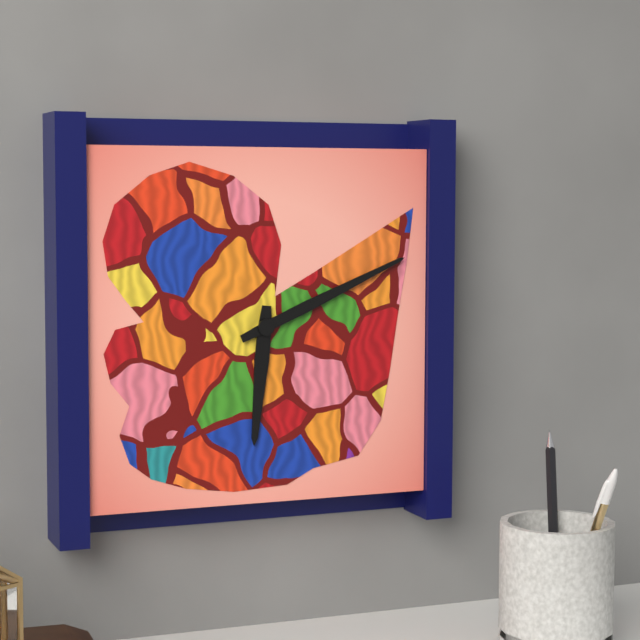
6:11
